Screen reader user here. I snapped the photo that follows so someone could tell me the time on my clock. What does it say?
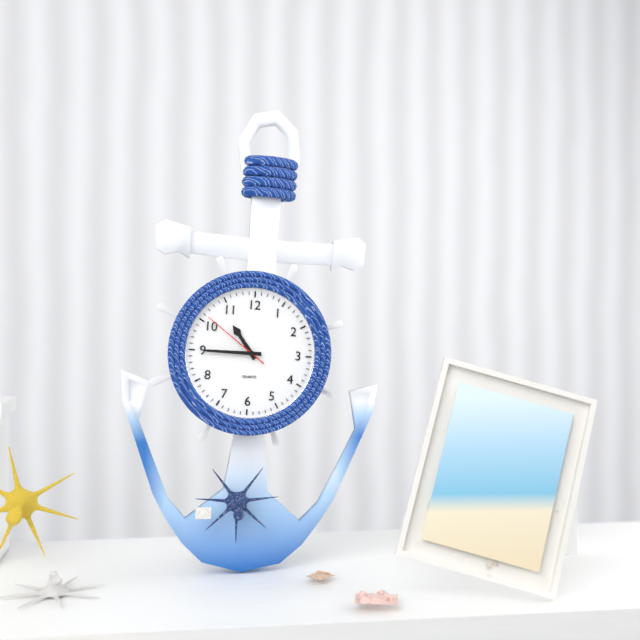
10:45:51
